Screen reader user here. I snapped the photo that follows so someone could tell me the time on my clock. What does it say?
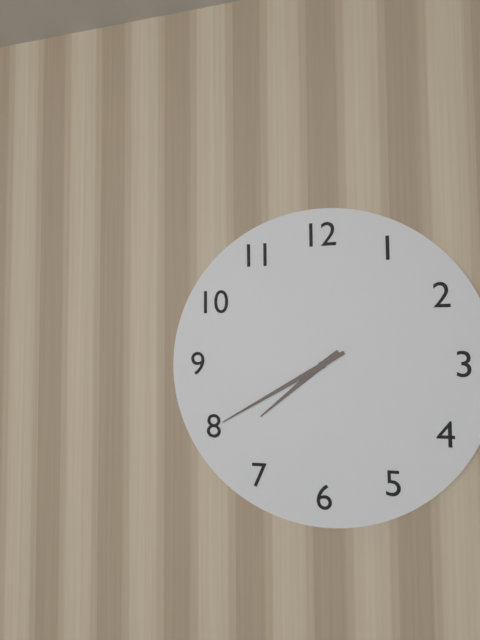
7:40
